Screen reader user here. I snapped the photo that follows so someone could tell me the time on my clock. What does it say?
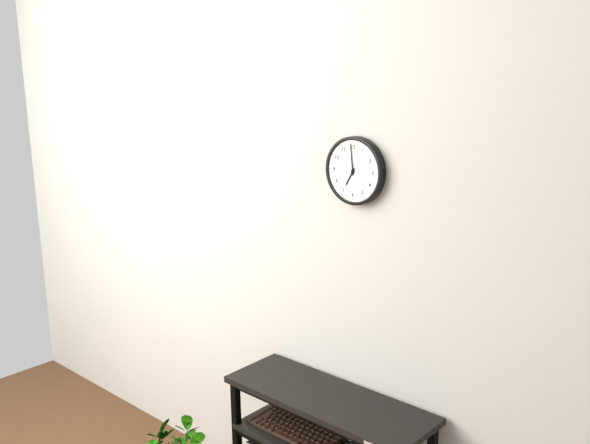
6:59
